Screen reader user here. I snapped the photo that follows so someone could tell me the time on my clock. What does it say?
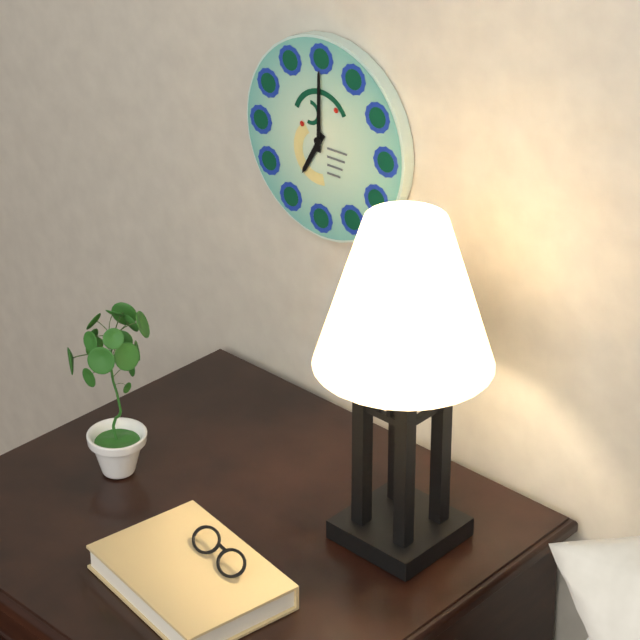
7:00
